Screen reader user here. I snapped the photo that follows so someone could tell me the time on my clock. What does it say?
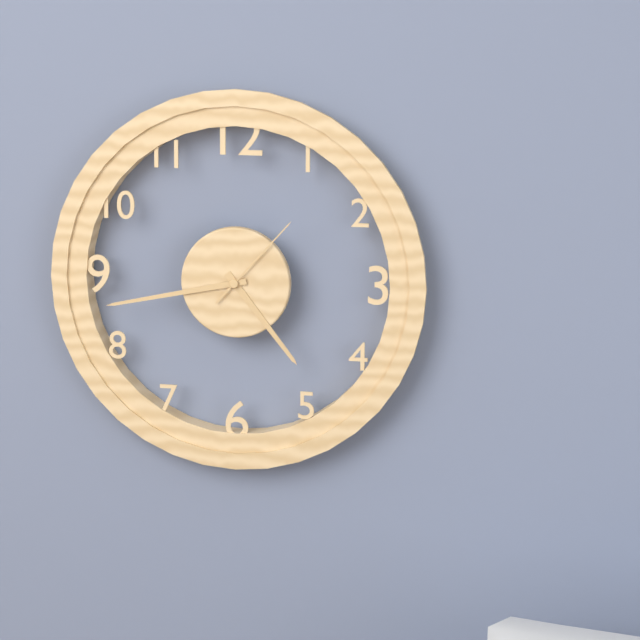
4:43:07
